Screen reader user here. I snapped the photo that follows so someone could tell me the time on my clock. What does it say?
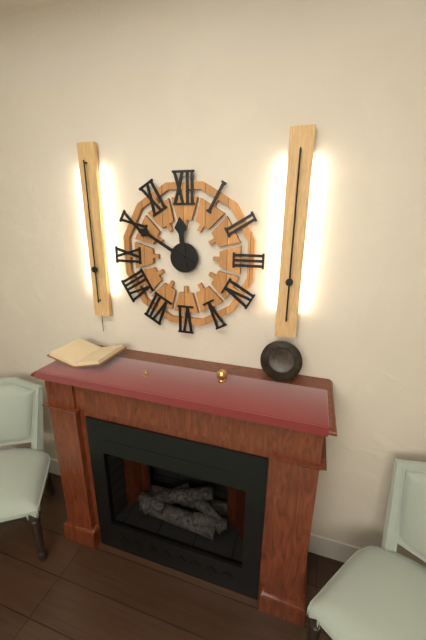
11:50
